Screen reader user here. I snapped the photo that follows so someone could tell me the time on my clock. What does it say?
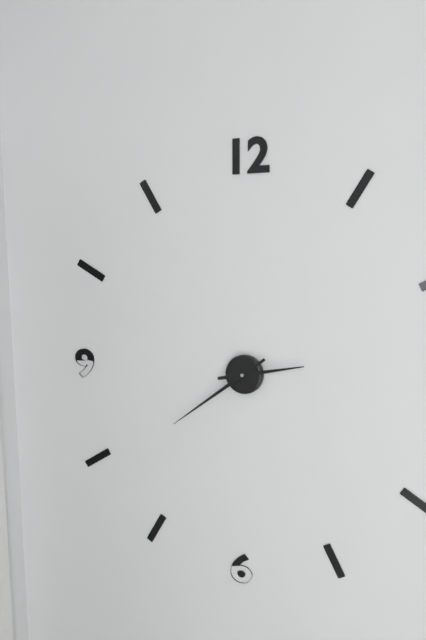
2:39
